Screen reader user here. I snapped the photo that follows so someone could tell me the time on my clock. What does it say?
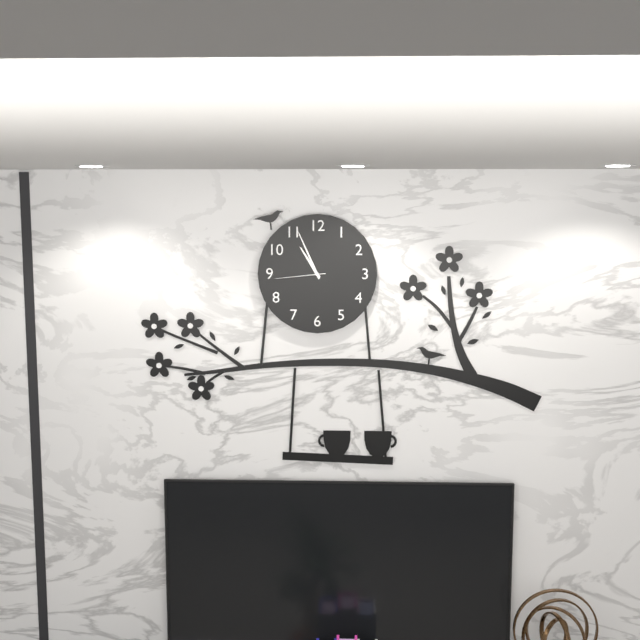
10:56:44
